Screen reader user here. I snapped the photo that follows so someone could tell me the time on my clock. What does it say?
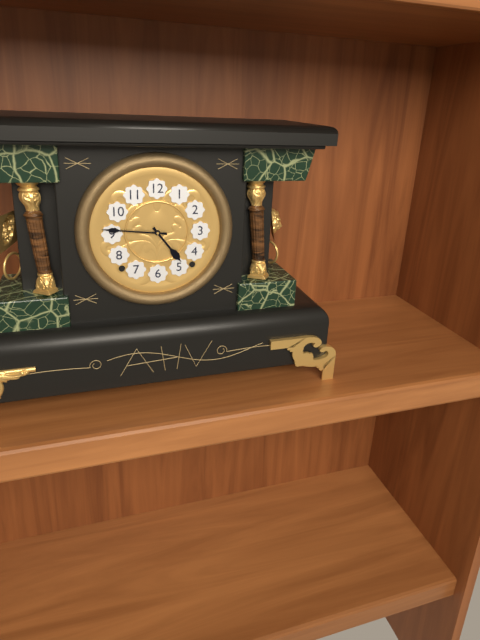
4:46
